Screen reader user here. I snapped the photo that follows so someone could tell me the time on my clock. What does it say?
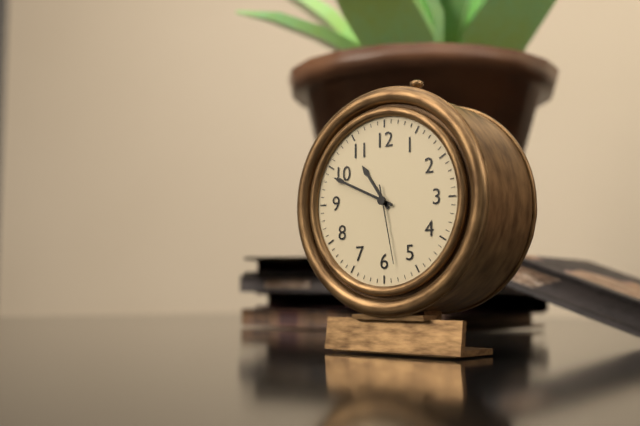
10:49:28
